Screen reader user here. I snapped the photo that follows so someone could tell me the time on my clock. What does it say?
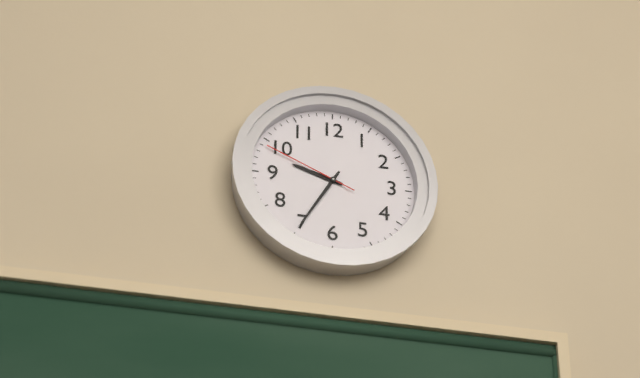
9:35:49
